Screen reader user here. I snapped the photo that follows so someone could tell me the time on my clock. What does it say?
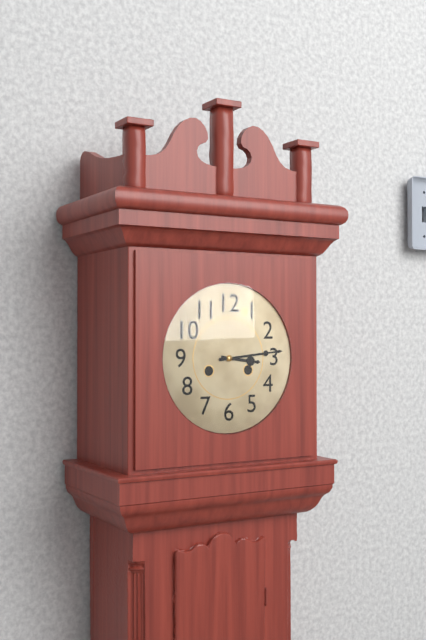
3:14
